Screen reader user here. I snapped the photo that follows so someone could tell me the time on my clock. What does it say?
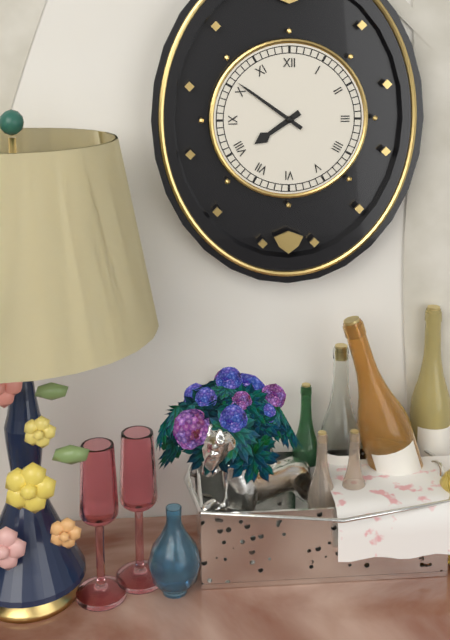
7:51
